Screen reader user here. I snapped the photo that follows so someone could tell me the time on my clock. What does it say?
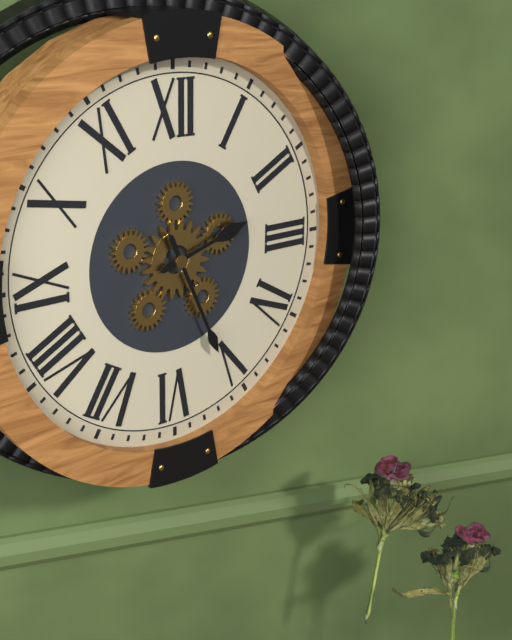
2:26
